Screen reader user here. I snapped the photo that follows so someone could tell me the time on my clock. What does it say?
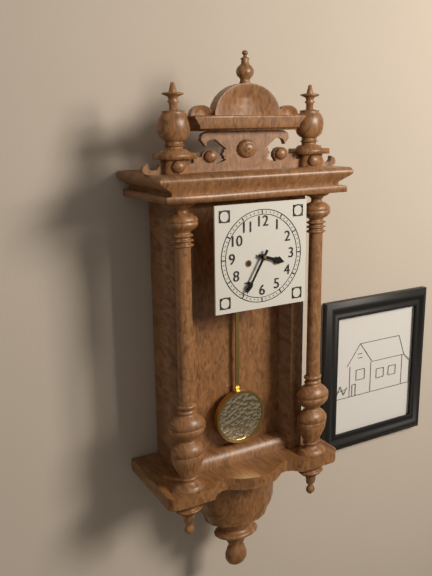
3:35
